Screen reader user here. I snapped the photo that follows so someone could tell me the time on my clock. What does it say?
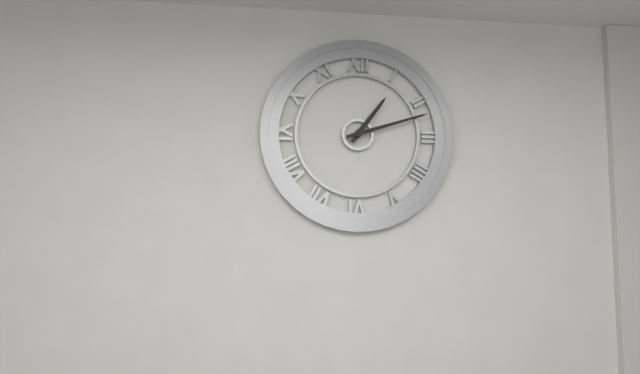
1:12
